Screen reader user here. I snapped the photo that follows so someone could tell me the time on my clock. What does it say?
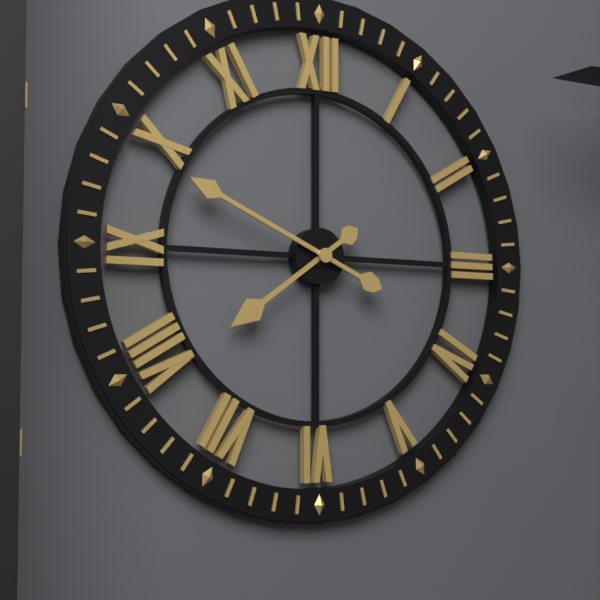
7:49
